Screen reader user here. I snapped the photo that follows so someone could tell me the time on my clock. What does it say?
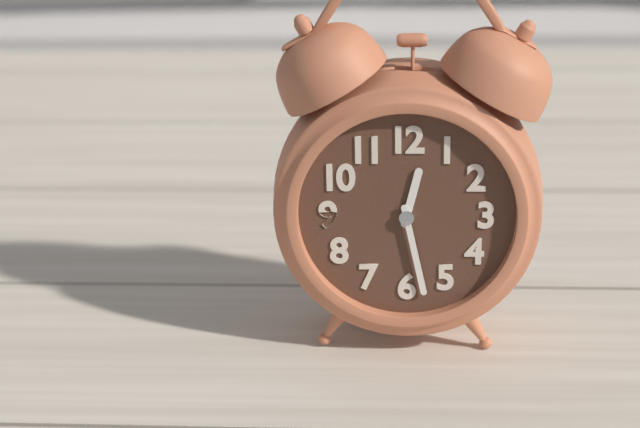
12:28
